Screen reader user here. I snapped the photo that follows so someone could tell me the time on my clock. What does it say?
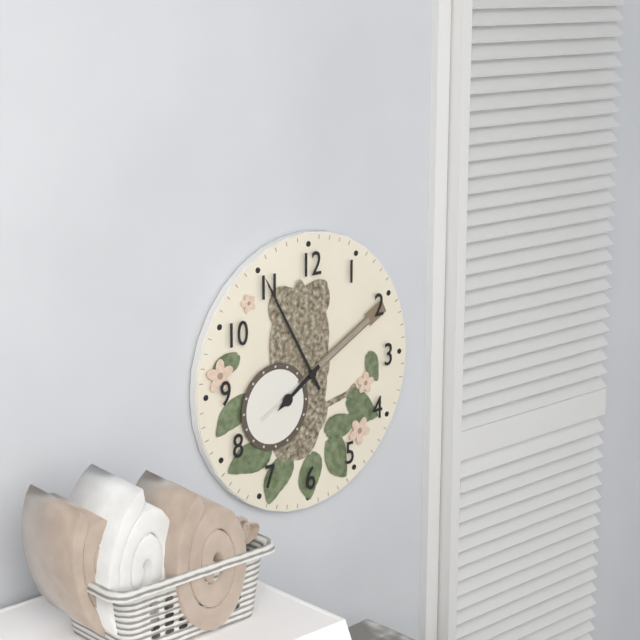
7:55
